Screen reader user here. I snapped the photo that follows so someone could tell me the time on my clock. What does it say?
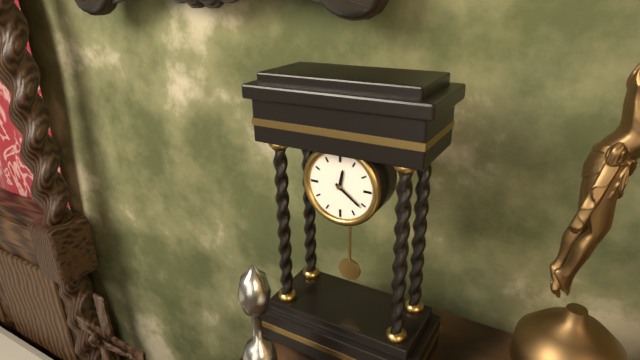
12:21
